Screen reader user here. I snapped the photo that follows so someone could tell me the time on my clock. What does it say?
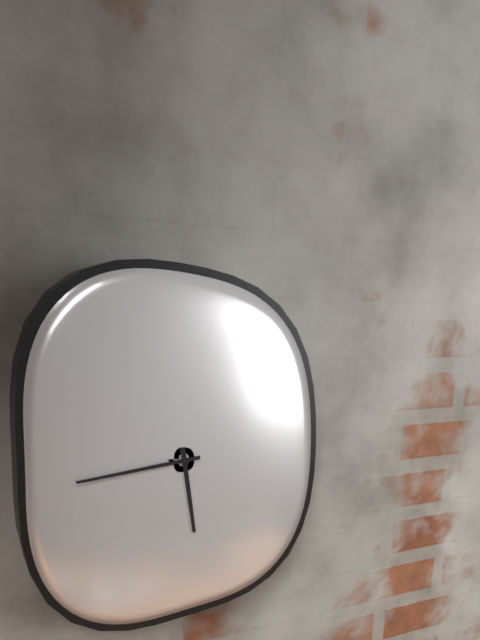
5:44
